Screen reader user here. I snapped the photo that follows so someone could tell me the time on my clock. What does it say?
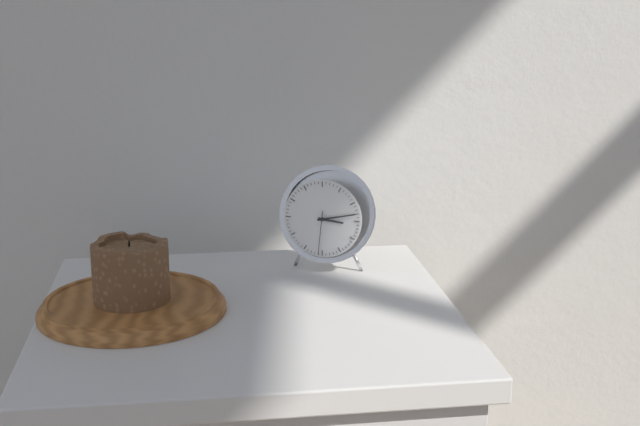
3:13
